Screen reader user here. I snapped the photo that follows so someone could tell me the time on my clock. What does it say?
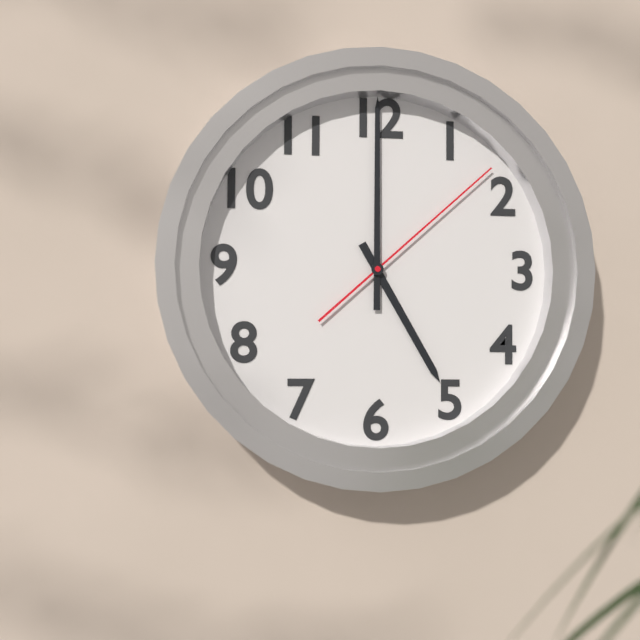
5:00:08
